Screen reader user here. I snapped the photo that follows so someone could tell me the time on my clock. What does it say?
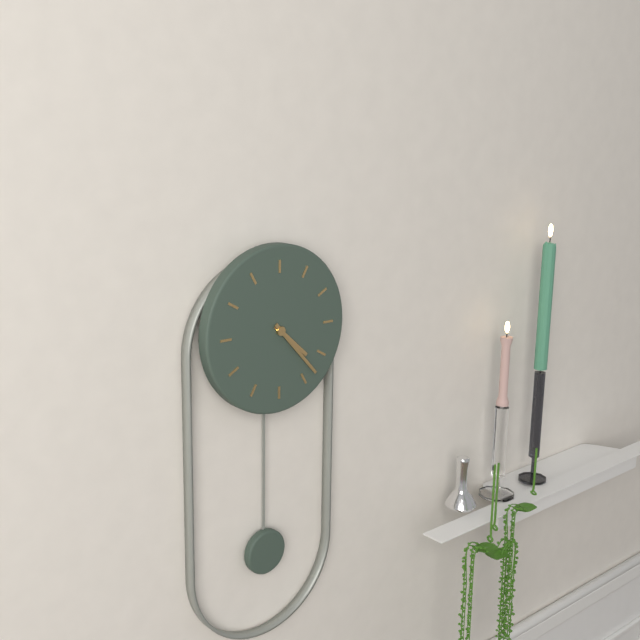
4:23
